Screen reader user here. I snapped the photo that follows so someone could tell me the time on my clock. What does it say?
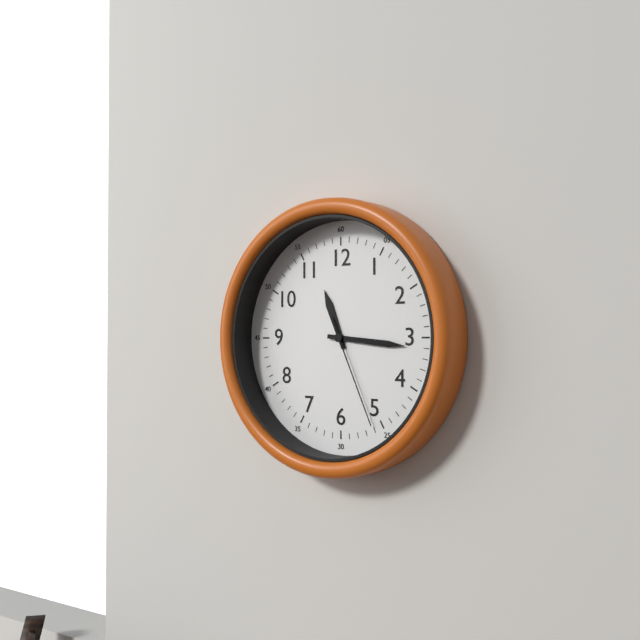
11:16:26
